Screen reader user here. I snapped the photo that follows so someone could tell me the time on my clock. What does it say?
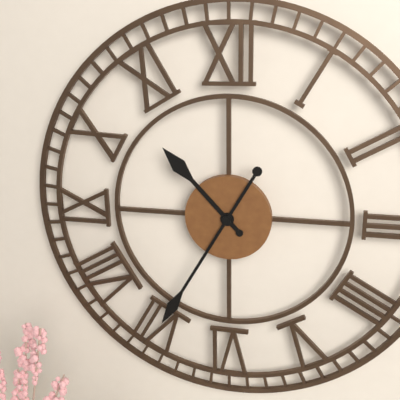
10:35
